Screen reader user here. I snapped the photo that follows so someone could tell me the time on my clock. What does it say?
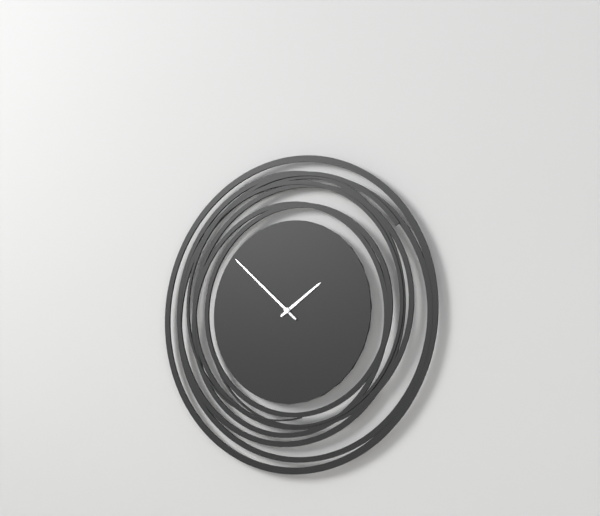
1:52
